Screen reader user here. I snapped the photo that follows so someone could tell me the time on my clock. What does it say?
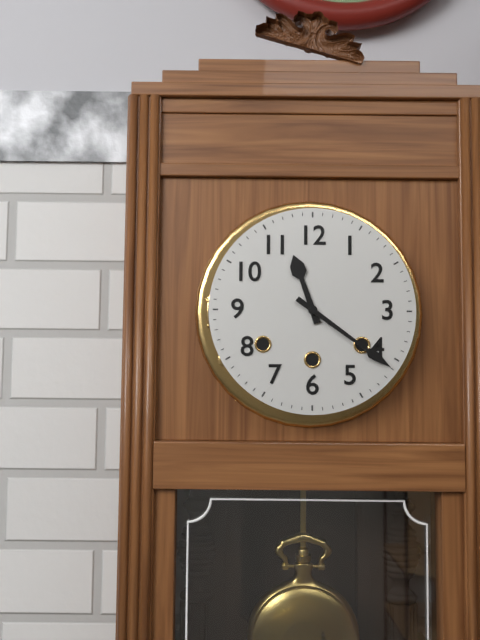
11:21
